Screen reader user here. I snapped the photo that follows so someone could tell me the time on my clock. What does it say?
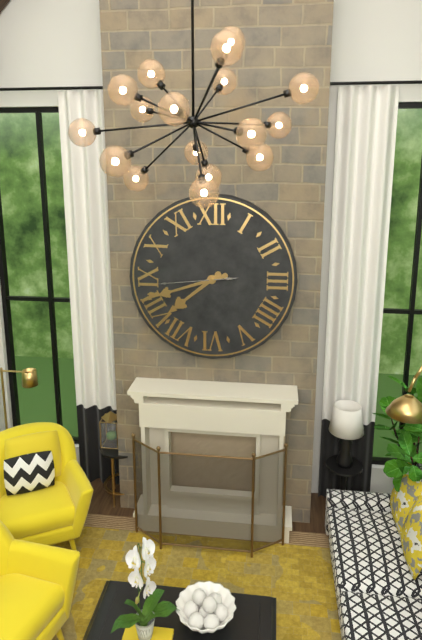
7:42:44
